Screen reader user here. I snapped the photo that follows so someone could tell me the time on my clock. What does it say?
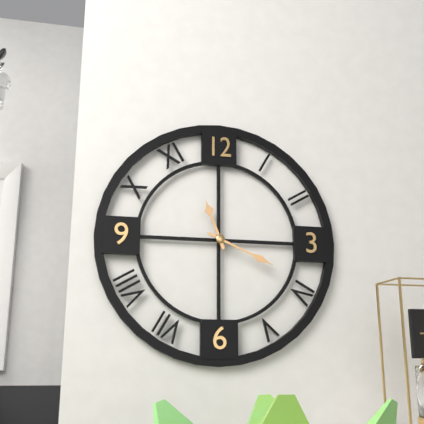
11:19
